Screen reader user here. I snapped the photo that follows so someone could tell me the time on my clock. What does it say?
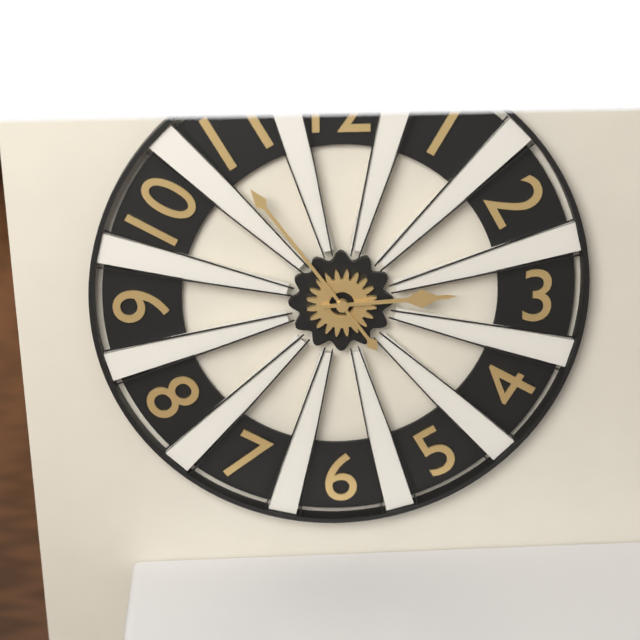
2:54
